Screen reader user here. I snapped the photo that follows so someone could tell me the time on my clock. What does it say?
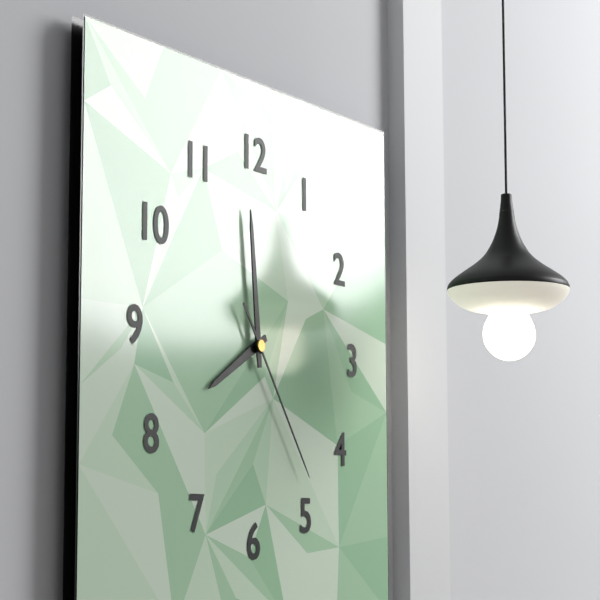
7:59:24
